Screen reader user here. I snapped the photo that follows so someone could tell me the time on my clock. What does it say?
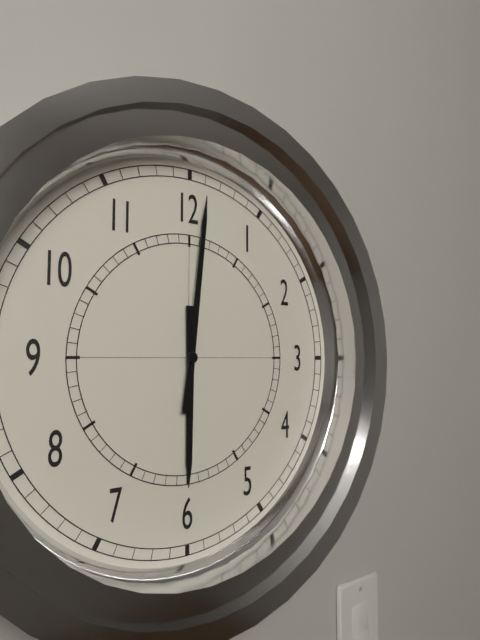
6:01
